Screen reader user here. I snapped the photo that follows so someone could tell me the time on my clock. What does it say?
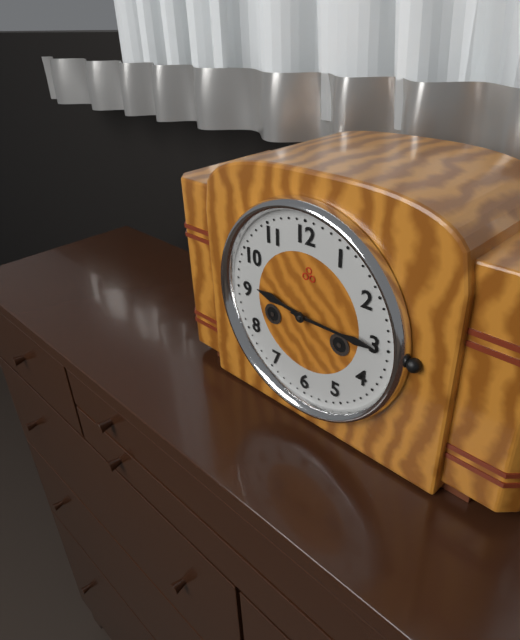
9:15
